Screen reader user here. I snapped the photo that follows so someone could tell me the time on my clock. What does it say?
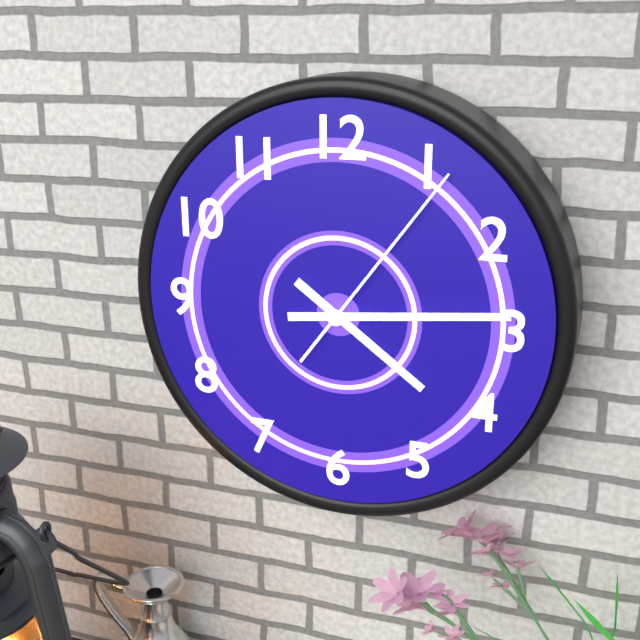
4:14:06
